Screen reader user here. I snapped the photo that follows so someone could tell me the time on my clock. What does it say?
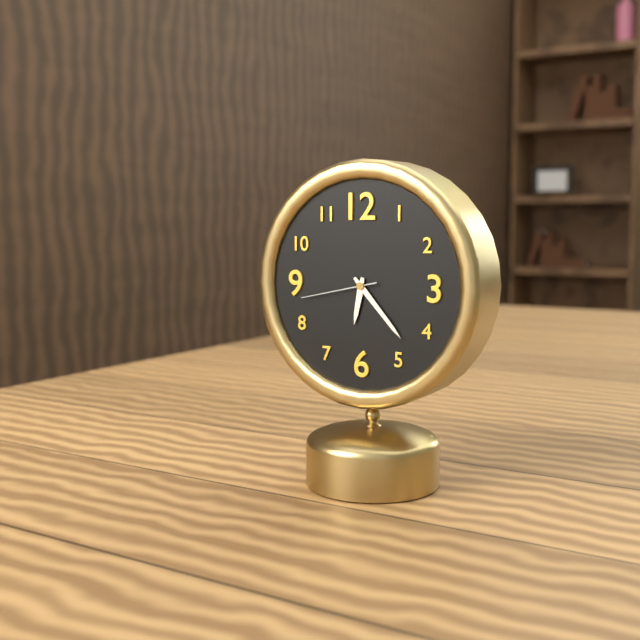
6:23:43
